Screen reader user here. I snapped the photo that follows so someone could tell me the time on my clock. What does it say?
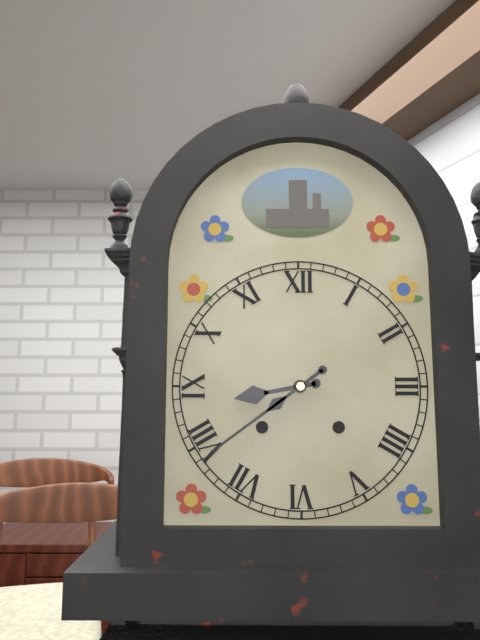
8:39
